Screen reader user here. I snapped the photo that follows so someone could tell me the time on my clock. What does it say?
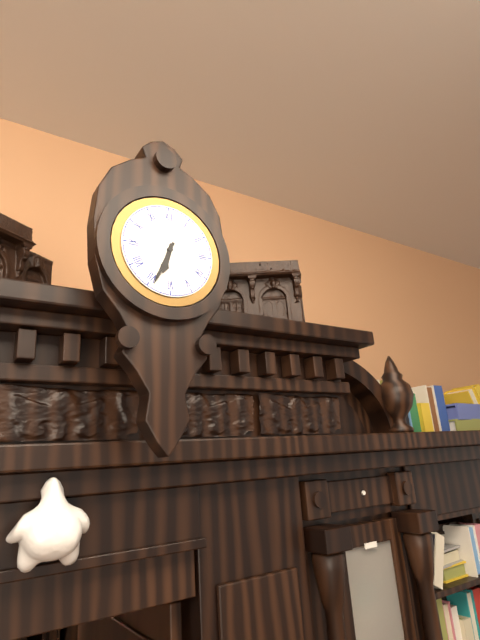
6:34
